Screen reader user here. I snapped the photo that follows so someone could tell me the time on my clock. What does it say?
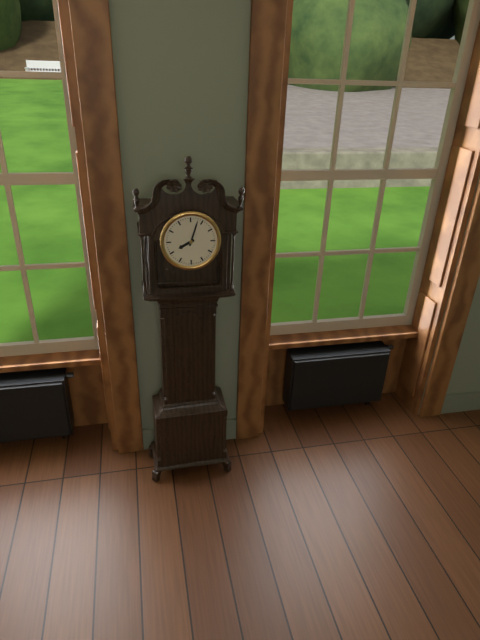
8:03
